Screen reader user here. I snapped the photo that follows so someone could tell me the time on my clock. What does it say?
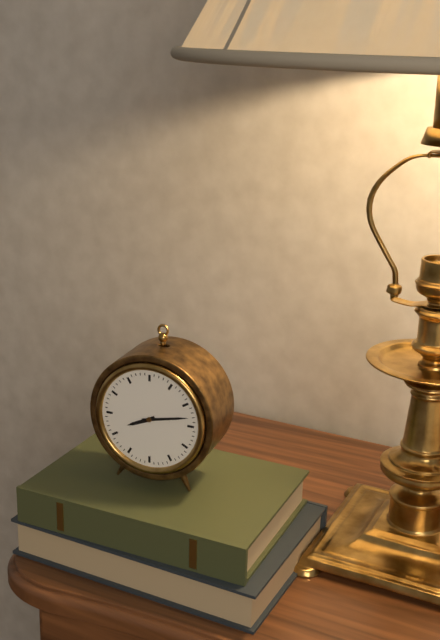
8:13
